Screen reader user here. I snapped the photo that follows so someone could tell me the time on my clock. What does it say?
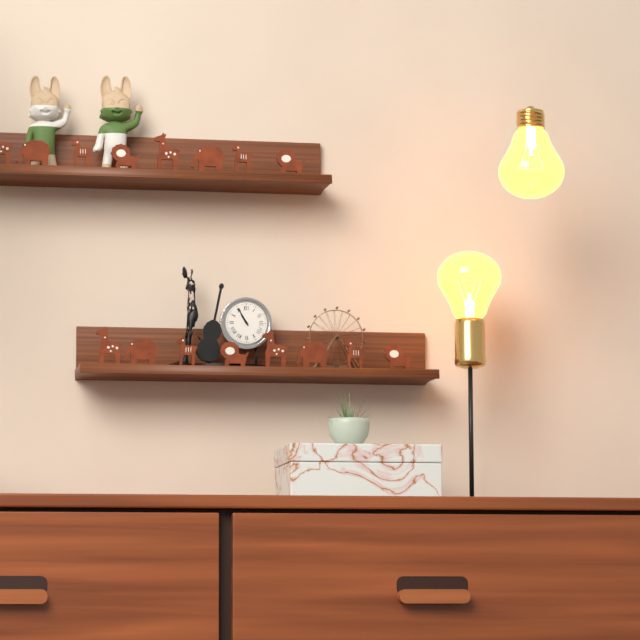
10:55
